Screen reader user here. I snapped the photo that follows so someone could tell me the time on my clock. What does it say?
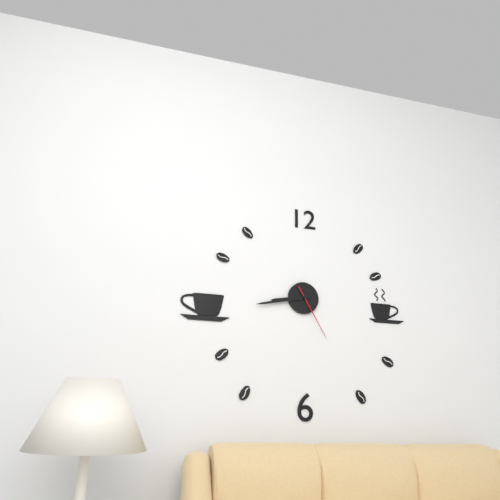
8:43:25
